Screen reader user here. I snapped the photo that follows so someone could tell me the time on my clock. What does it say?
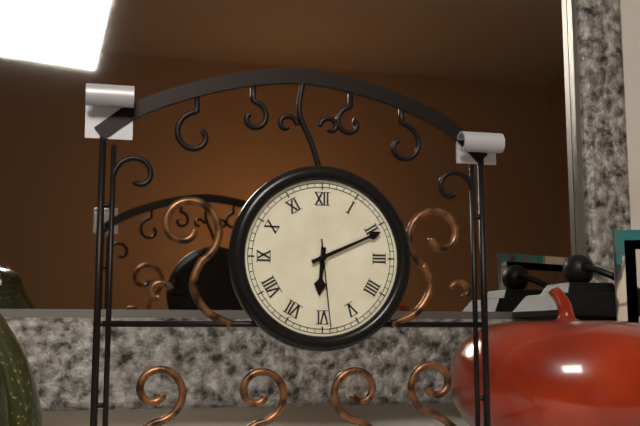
6:11:29
